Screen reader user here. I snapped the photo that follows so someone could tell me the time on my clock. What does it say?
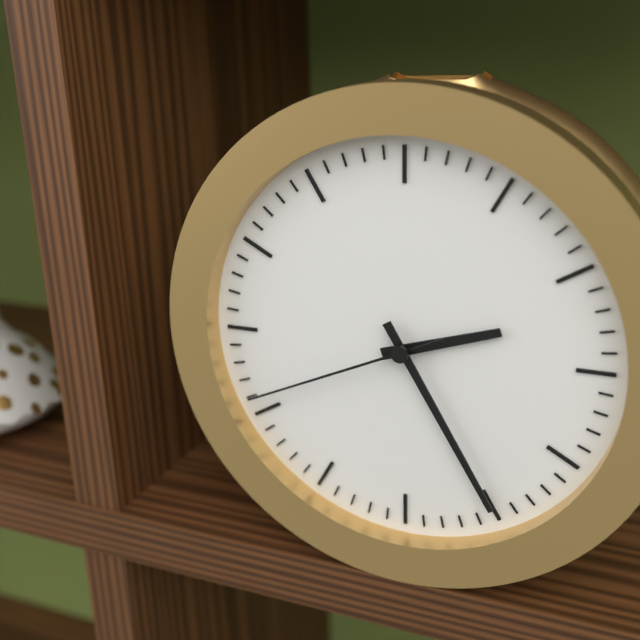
2:25:41
